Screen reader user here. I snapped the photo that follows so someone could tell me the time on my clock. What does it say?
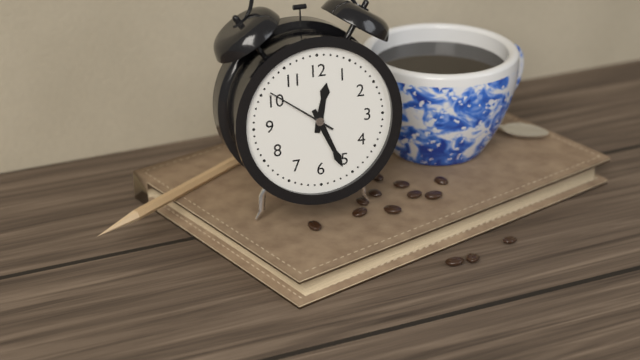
12:26:51
